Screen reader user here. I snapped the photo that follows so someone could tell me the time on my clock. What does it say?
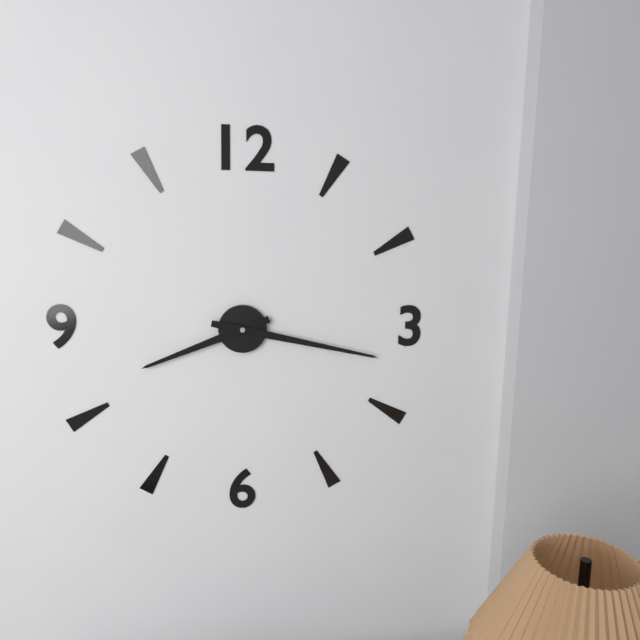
8:17
